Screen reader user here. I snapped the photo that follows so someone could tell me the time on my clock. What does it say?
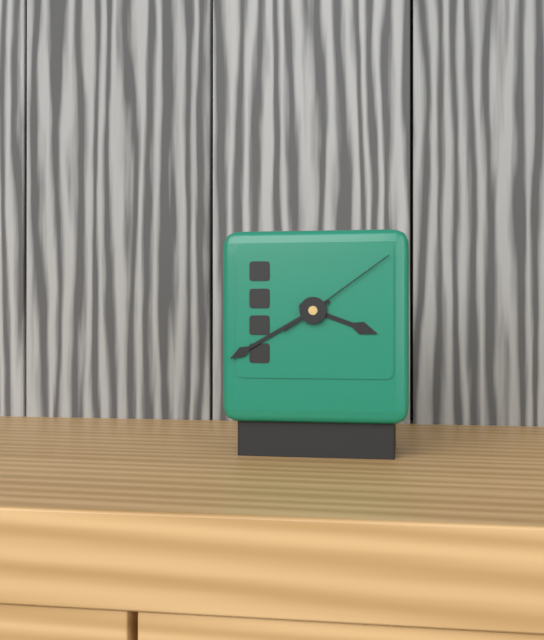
3:40:09
